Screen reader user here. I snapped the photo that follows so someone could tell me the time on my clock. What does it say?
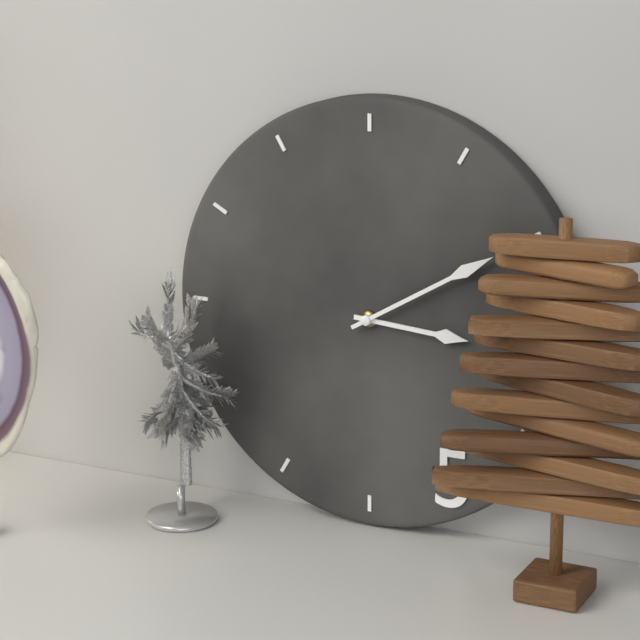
3:10
